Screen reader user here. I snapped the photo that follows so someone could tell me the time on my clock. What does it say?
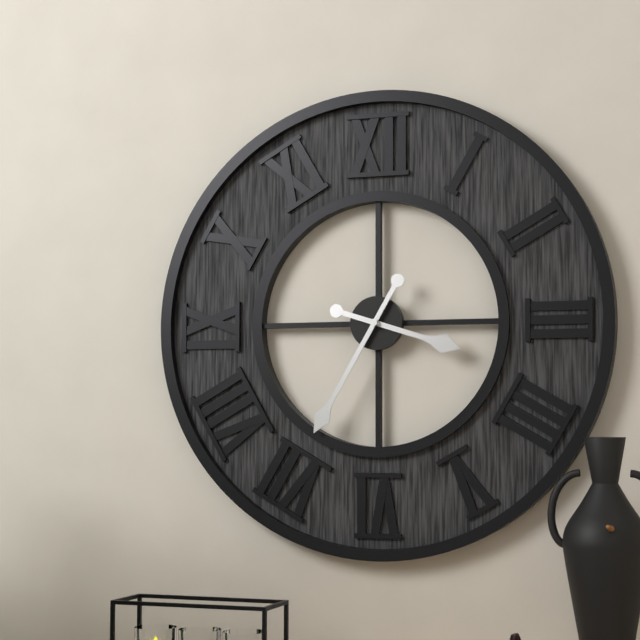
3:35
